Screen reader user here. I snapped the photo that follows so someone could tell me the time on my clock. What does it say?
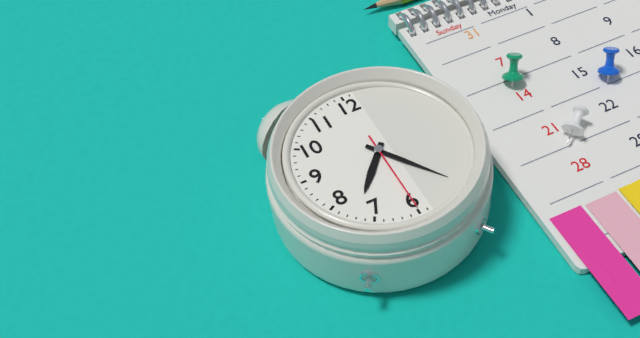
7:24:30
